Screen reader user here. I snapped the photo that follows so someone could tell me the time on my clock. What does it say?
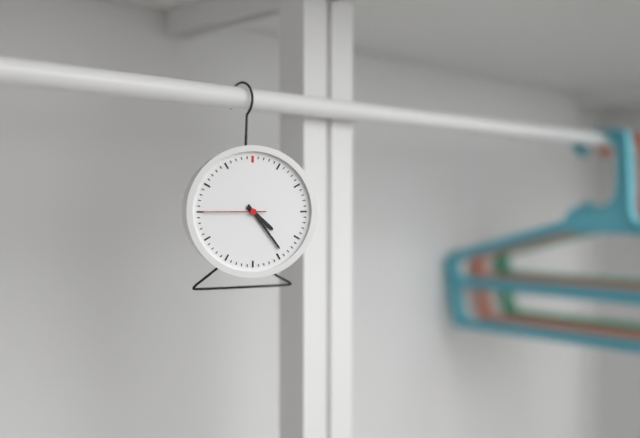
4:24:45
